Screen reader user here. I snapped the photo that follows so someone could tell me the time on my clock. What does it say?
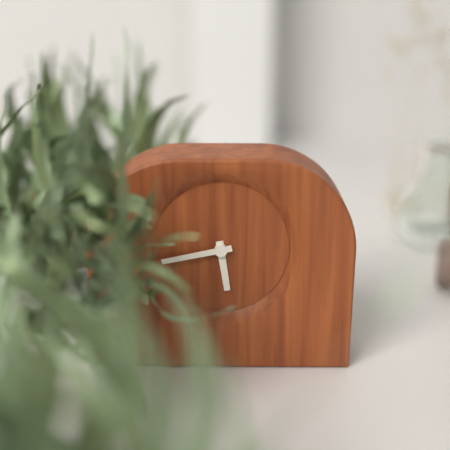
5:43
